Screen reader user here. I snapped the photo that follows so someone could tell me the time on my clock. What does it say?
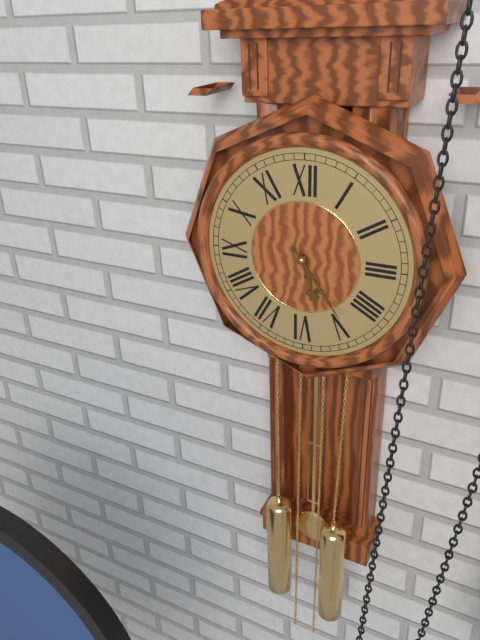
5:24
